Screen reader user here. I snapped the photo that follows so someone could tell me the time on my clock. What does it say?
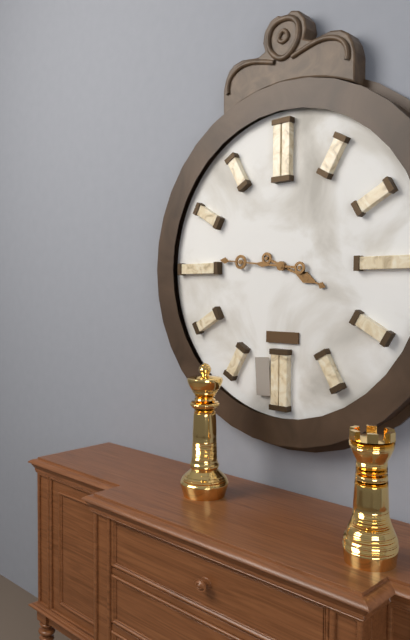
3:46
